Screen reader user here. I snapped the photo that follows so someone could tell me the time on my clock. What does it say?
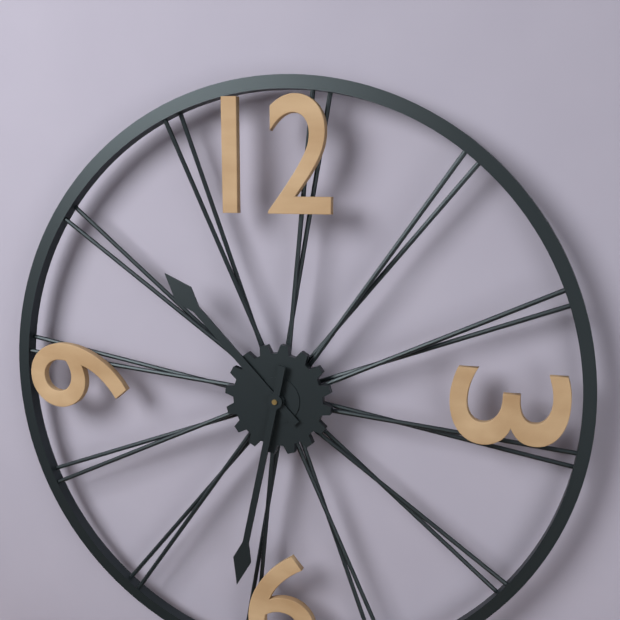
10:32
